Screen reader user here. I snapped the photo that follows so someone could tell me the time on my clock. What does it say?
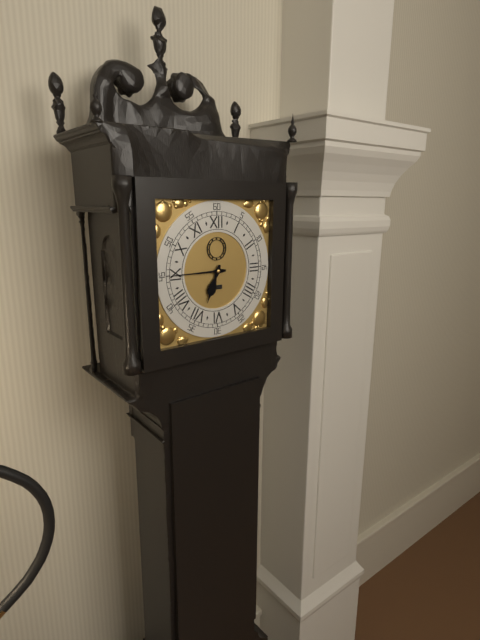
6:45
